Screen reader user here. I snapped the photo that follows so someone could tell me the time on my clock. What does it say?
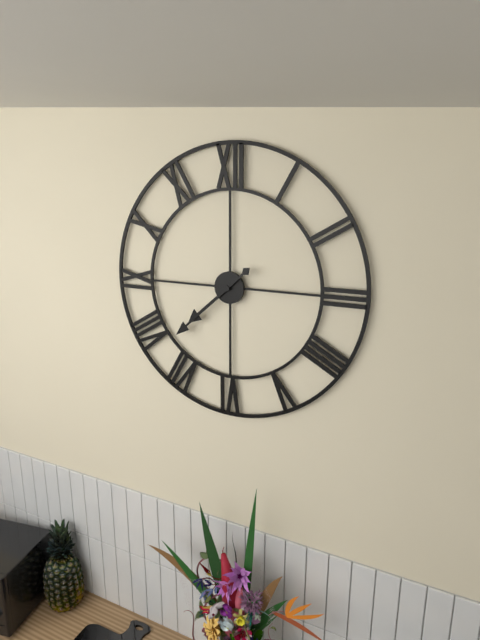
7:38
